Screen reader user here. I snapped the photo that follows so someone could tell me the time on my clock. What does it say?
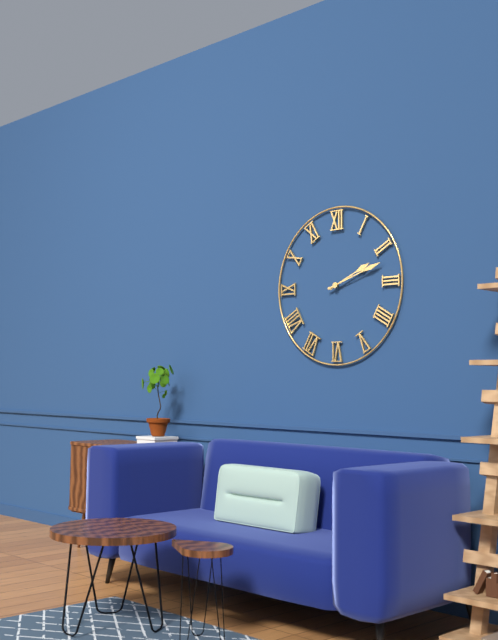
2:12
